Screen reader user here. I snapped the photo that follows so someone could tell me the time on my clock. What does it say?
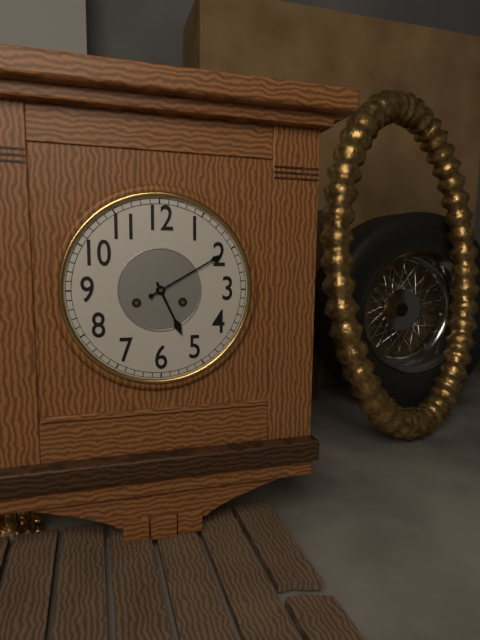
5:10
